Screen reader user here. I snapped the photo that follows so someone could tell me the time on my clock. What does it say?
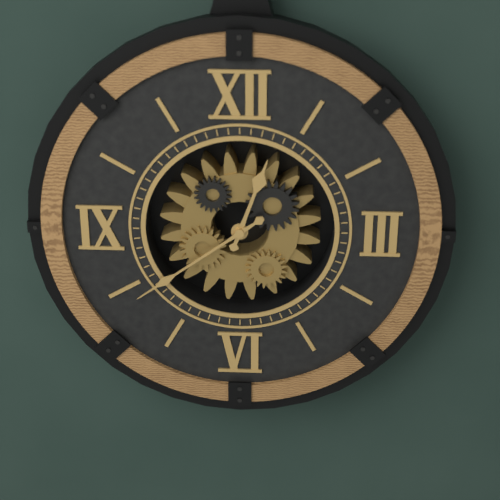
12:39
